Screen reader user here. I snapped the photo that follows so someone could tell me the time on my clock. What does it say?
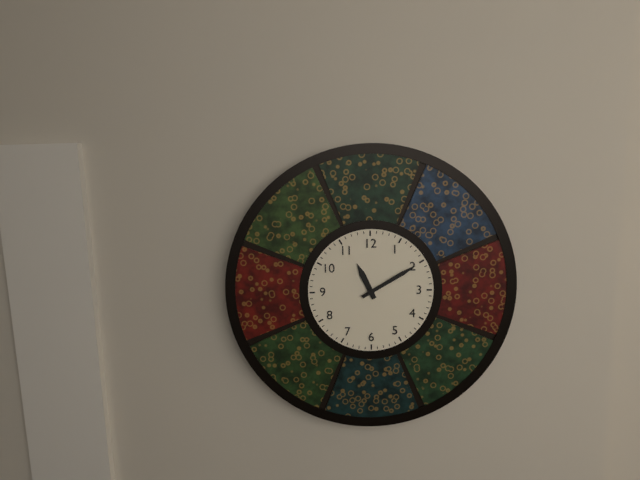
11:10
